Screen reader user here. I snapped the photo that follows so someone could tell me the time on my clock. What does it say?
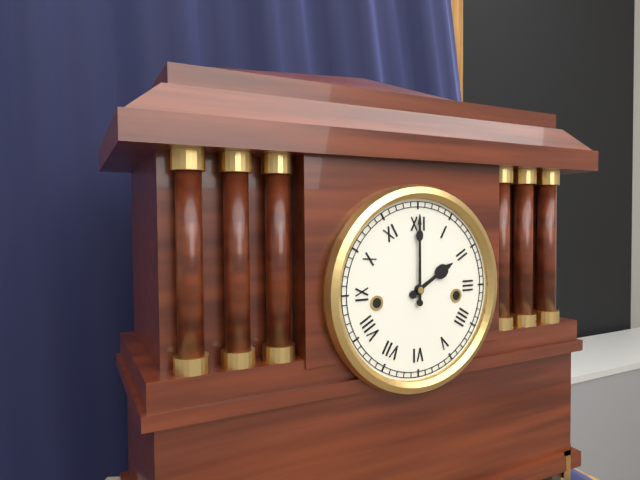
2:00
